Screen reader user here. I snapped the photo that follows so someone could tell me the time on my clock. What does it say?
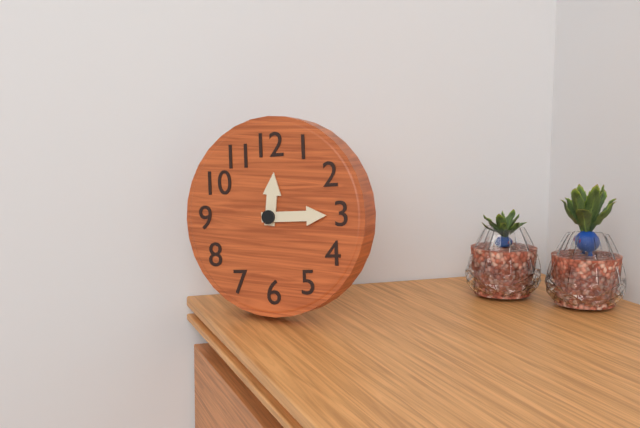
12:15
